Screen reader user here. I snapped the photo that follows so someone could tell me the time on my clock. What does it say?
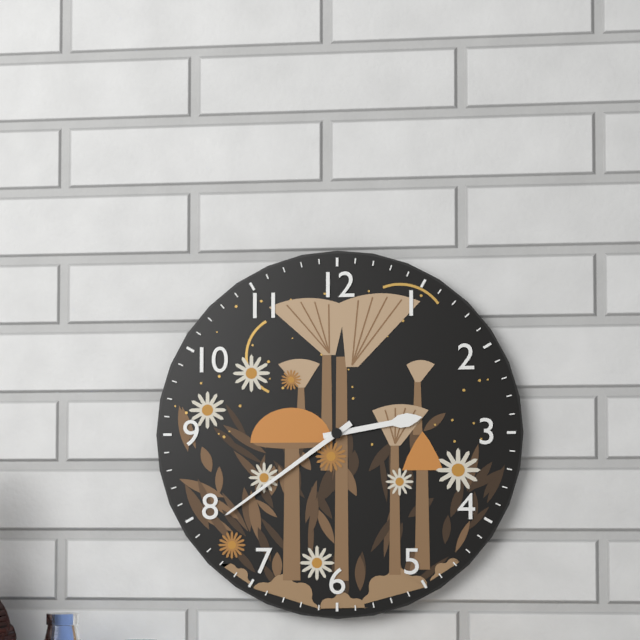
2:39
